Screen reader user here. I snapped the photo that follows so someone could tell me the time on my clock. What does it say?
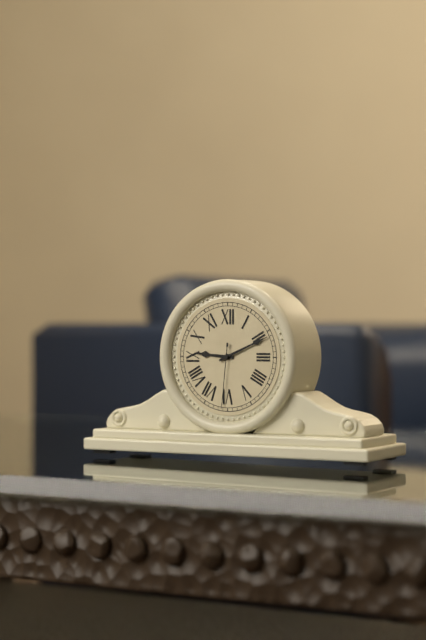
9:11:31
